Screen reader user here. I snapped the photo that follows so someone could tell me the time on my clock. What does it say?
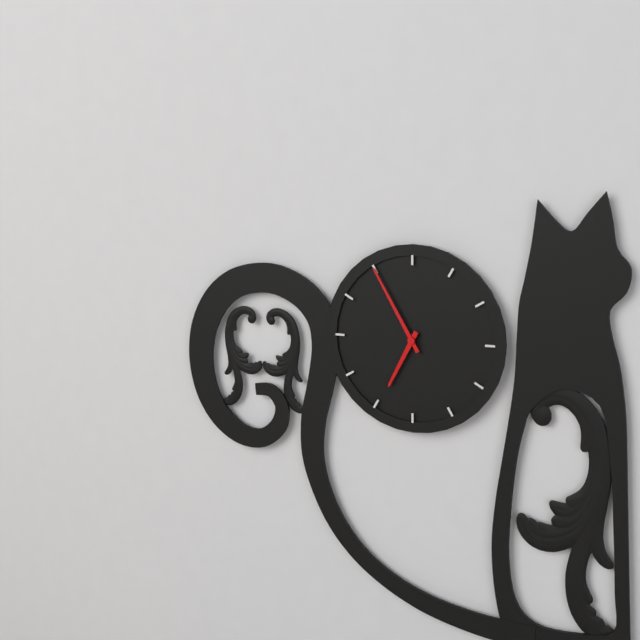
6:55
